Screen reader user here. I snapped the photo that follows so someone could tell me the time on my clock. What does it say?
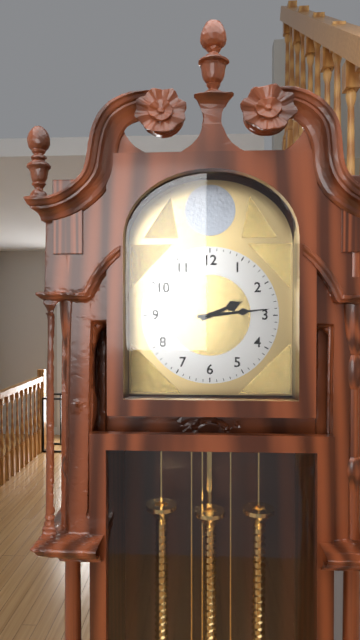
2:14
